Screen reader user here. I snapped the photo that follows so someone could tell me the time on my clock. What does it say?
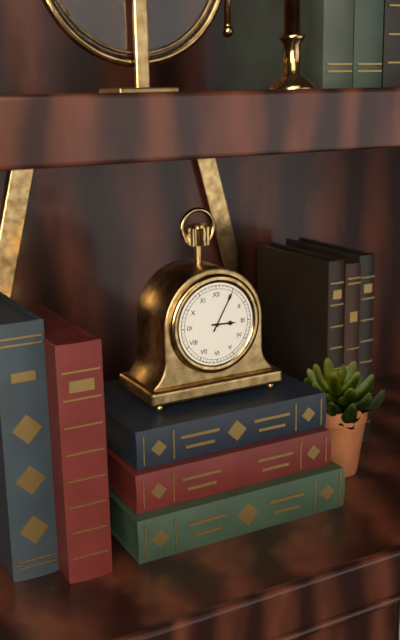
3:05
